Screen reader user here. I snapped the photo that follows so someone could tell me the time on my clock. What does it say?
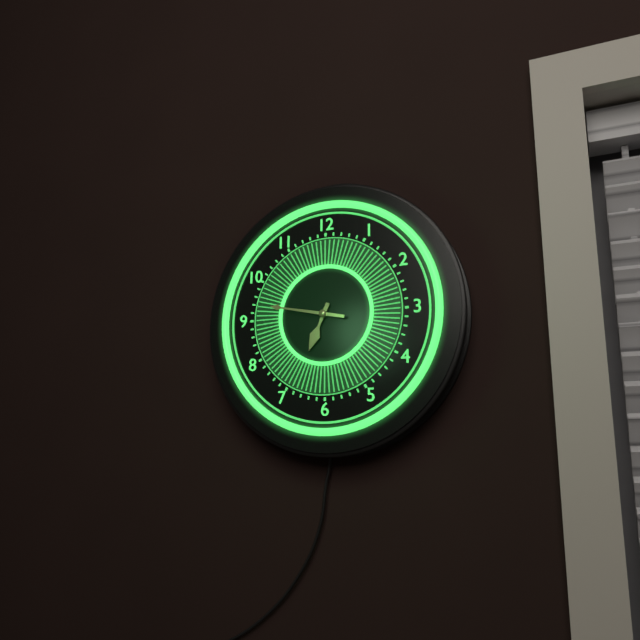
6:47
